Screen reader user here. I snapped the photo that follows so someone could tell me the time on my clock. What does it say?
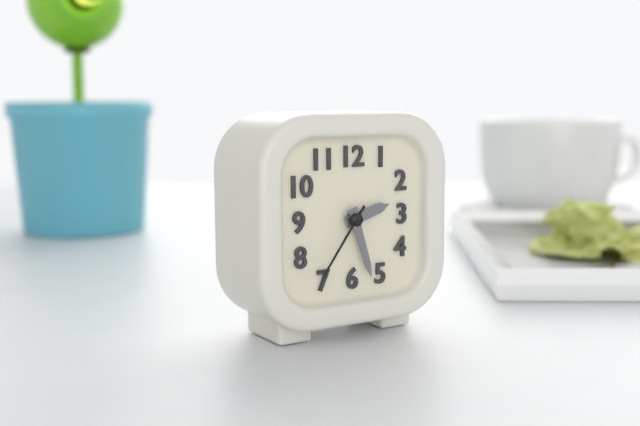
2:27:36
